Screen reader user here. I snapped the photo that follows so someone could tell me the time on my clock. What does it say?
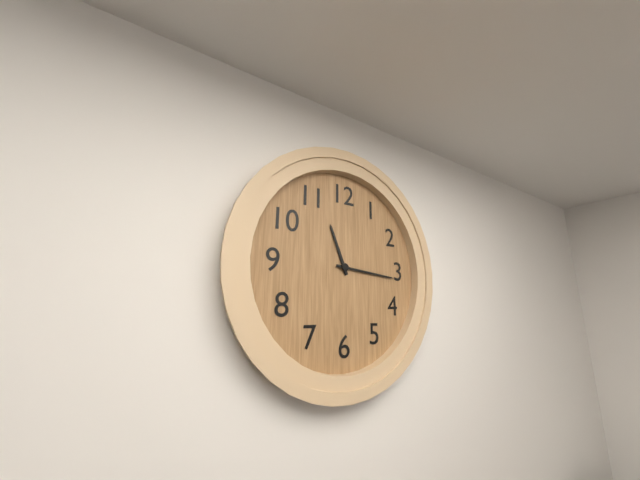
11:16
